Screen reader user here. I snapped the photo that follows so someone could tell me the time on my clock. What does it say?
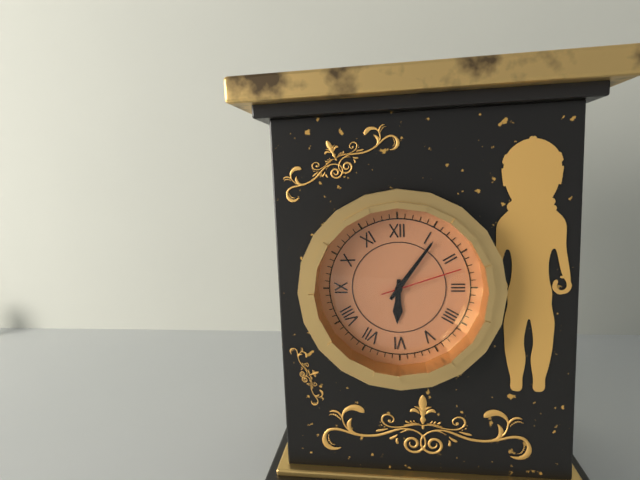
6:06:12
